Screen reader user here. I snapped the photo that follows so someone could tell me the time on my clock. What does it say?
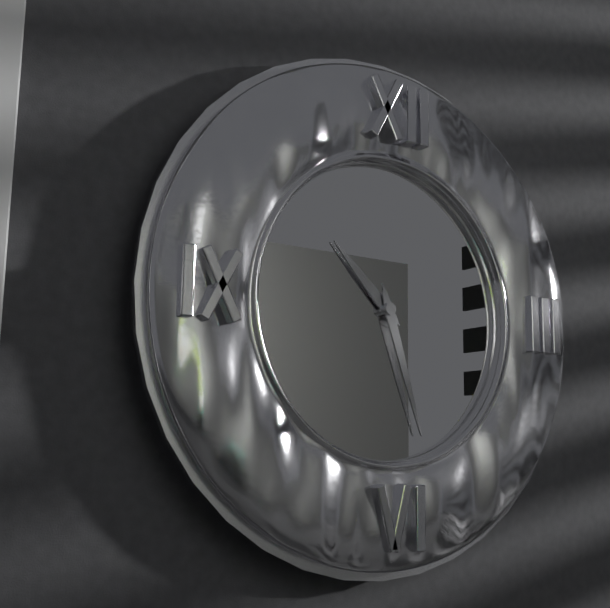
10:27
